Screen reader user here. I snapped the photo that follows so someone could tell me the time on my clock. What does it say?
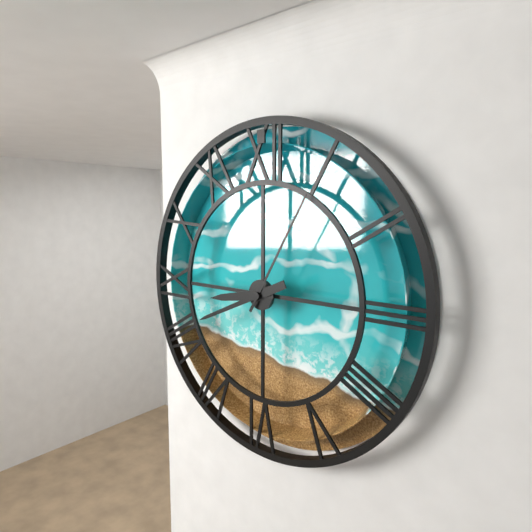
8:41:05
